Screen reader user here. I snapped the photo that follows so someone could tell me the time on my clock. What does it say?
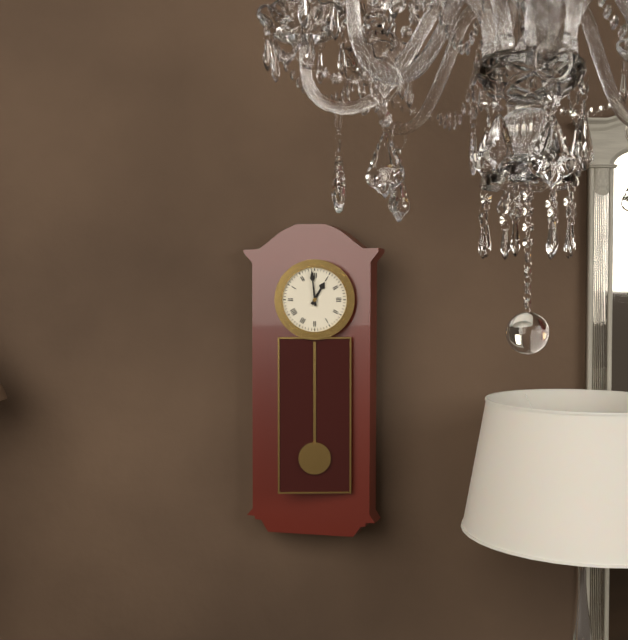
12:59
